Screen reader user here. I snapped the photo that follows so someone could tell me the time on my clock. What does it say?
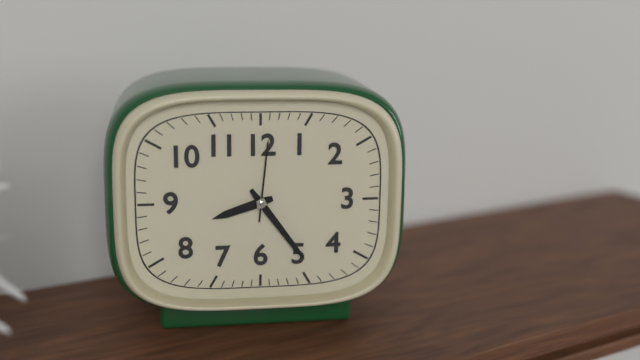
8:24:01
